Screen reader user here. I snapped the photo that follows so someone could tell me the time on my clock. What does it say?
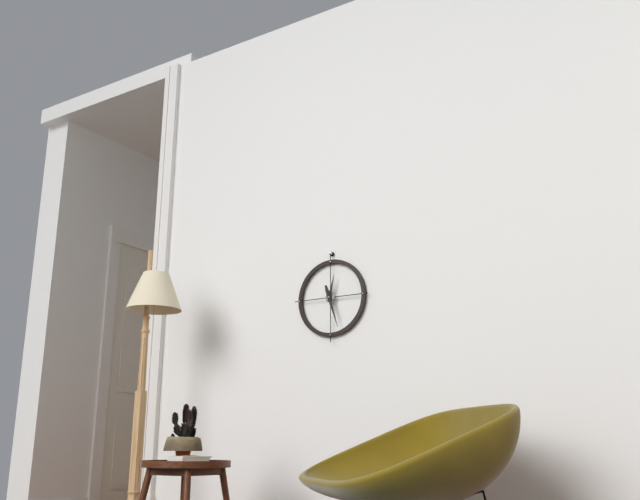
12:27
